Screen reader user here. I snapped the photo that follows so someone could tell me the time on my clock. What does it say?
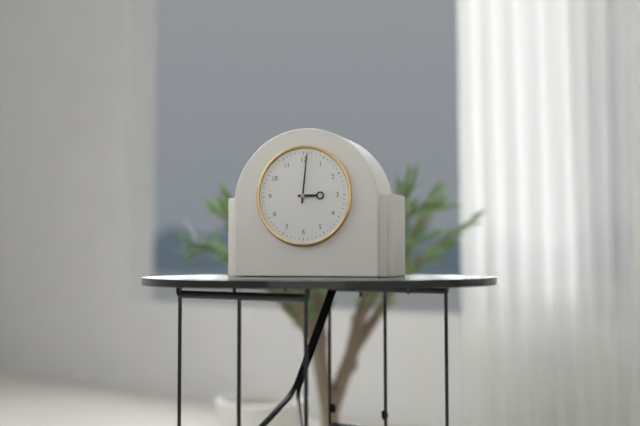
3:01
